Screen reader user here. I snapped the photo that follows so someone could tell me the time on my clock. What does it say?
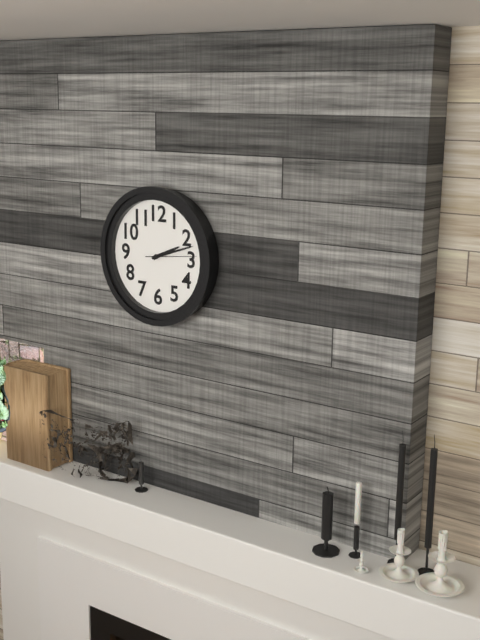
2:12:14
